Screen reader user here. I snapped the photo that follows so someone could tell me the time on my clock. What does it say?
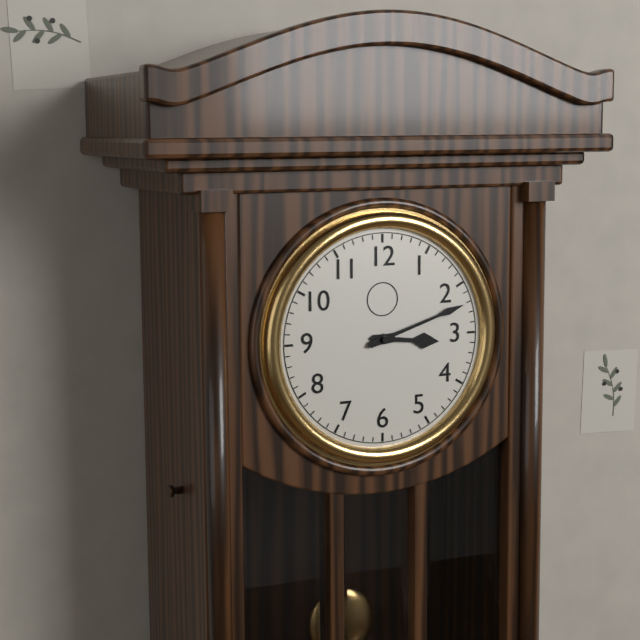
3:12
